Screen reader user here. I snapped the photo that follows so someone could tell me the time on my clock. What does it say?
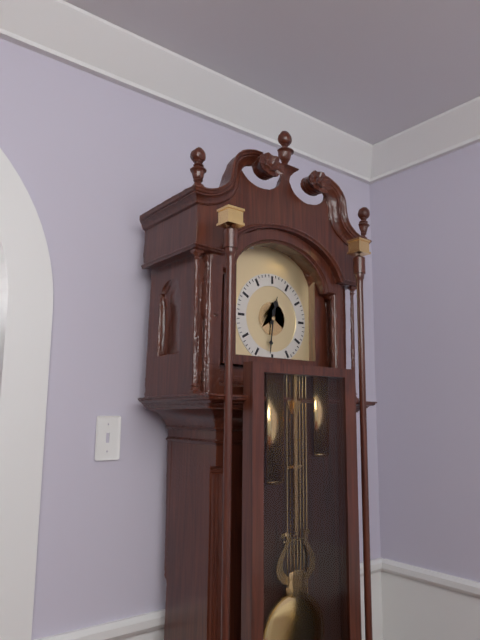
12:31
